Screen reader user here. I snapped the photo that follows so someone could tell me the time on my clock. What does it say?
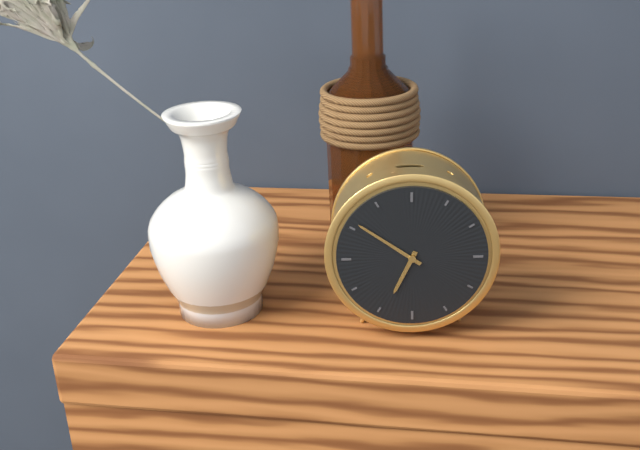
6:51
